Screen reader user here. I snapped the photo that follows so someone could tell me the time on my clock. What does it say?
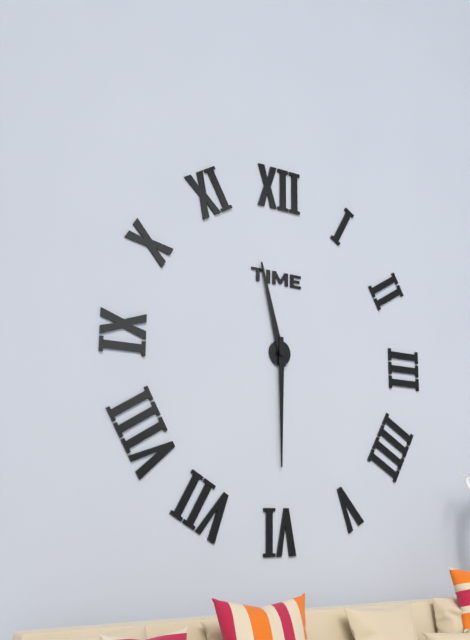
11:30
